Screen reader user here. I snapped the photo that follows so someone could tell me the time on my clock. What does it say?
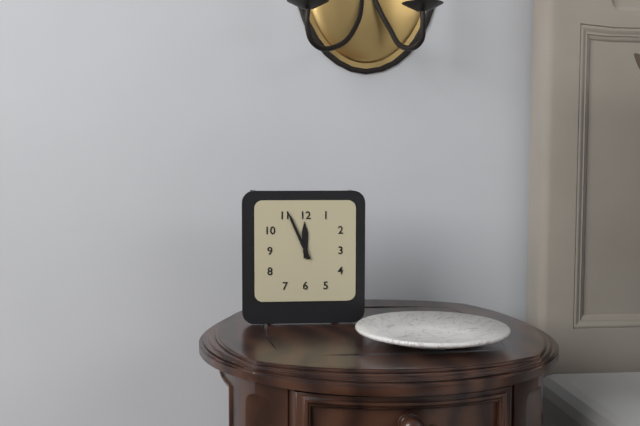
11:56
